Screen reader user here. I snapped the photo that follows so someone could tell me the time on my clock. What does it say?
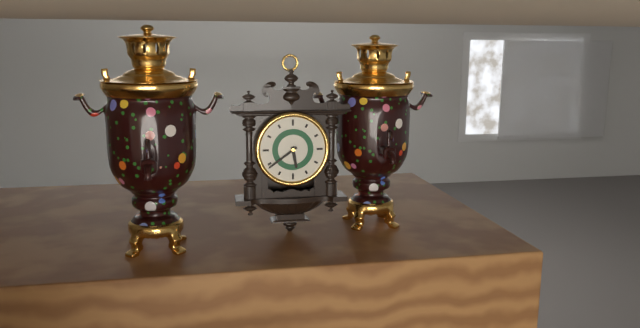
5:39
